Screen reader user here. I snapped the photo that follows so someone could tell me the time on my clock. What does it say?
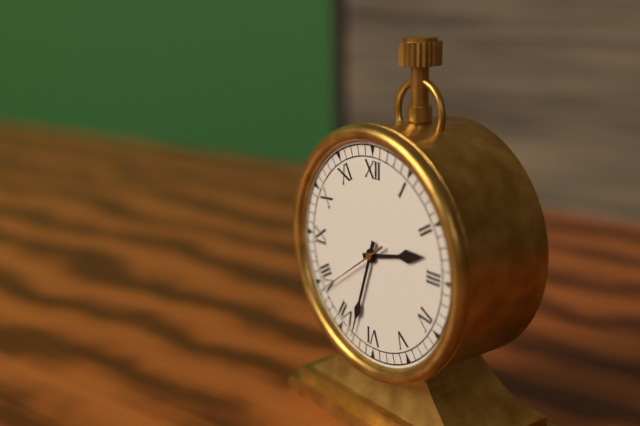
2:33:39
